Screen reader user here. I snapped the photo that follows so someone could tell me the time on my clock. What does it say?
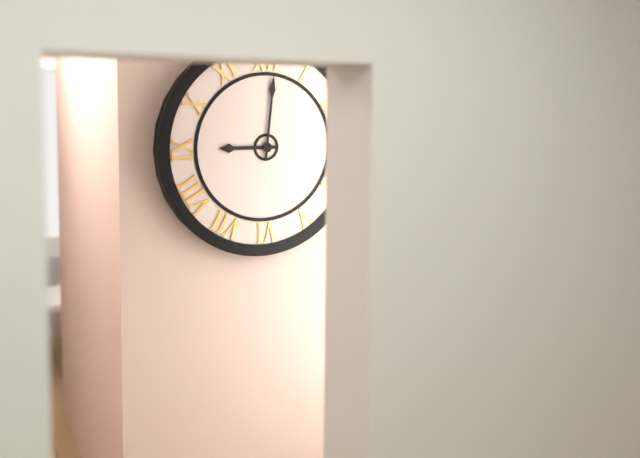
9:01
